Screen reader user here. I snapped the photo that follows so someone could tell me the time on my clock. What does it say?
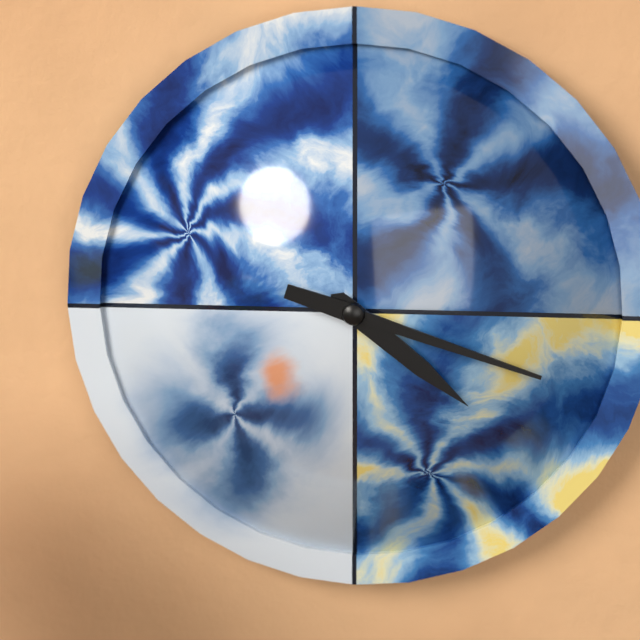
4:18
